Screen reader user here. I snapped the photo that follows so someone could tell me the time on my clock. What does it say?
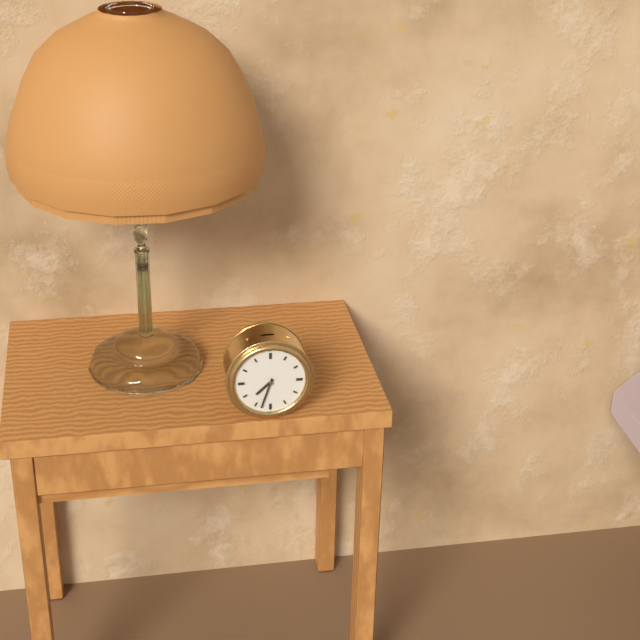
7:33
